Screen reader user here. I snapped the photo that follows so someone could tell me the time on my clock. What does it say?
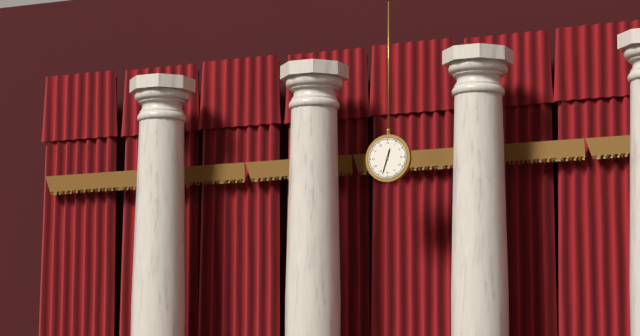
12:33
